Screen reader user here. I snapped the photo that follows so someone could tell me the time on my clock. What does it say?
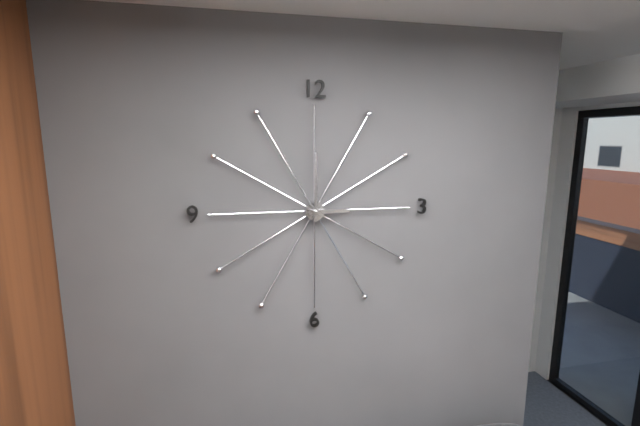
3:00
